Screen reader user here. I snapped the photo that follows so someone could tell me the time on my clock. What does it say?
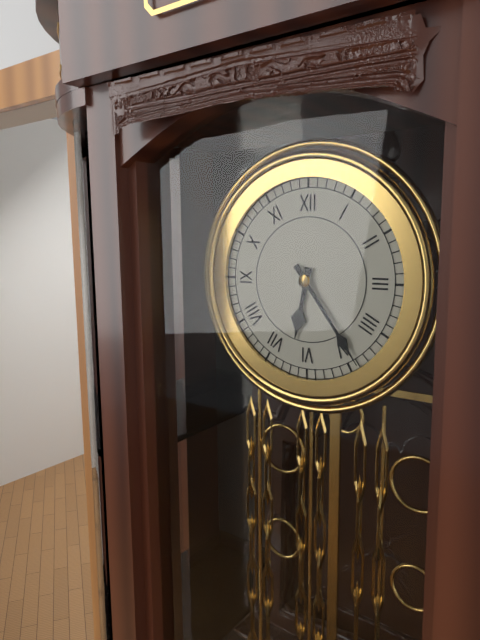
6:24
